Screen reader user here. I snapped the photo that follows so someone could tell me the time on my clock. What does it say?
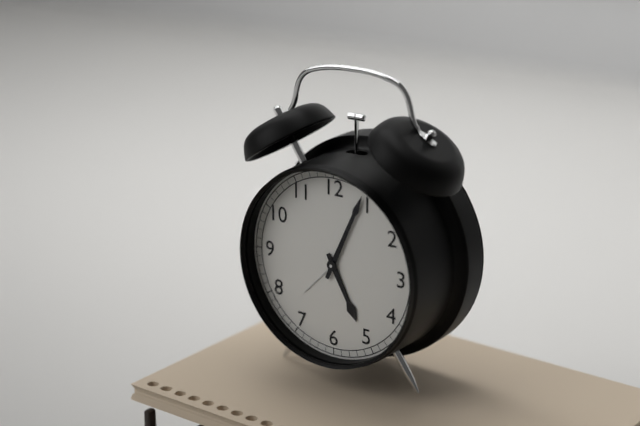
5:04
